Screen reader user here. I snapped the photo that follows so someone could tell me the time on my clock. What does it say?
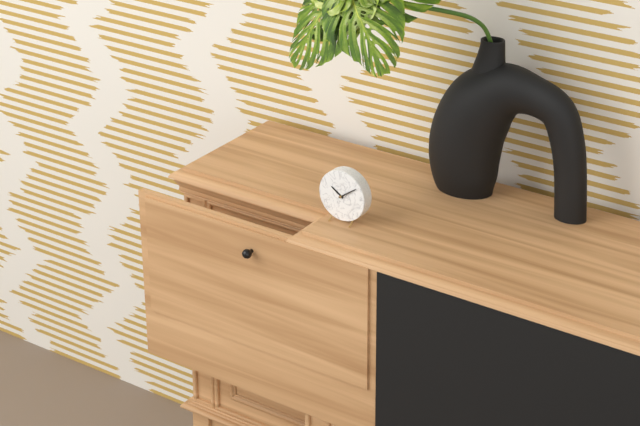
10:09
